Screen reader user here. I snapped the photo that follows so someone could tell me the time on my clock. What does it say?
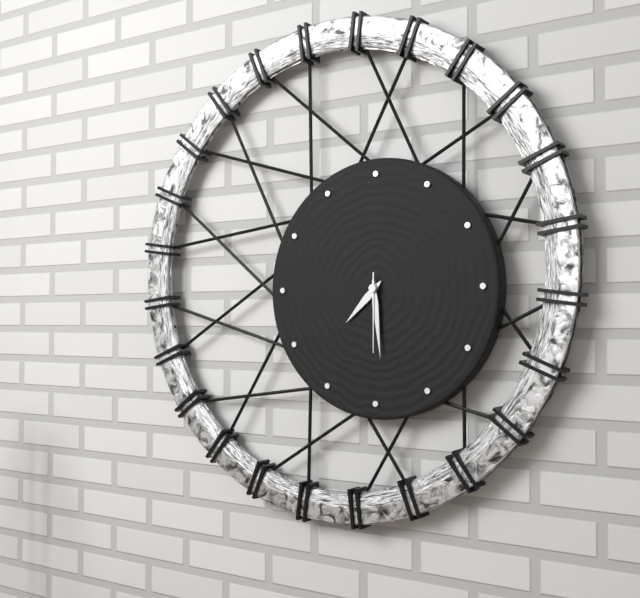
7:29:30
